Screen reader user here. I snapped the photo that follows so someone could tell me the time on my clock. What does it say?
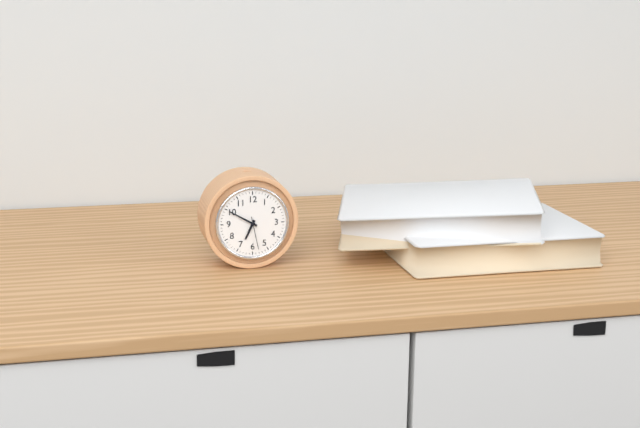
6:50
